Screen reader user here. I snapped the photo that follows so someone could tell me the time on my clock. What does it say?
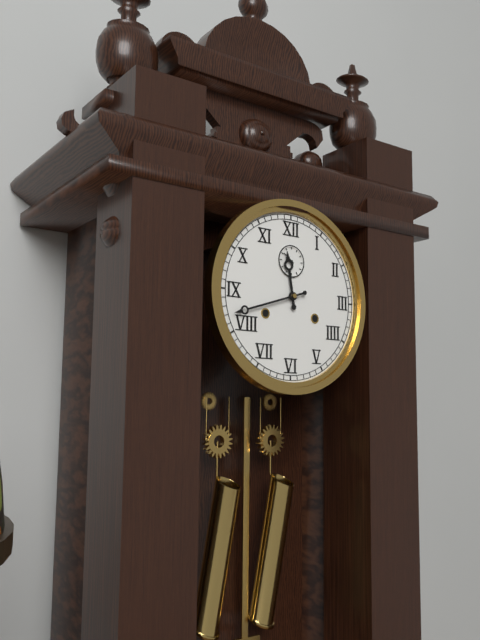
11:42
